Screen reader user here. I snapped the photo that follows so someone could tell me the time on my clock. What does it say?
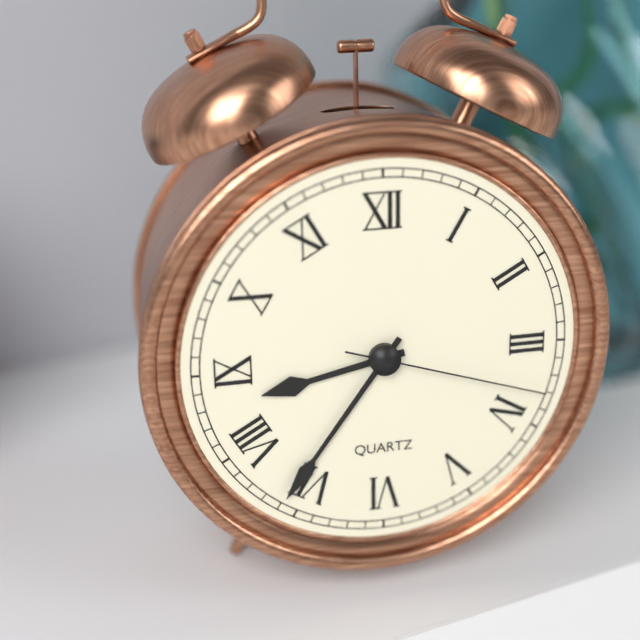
8:36:18
